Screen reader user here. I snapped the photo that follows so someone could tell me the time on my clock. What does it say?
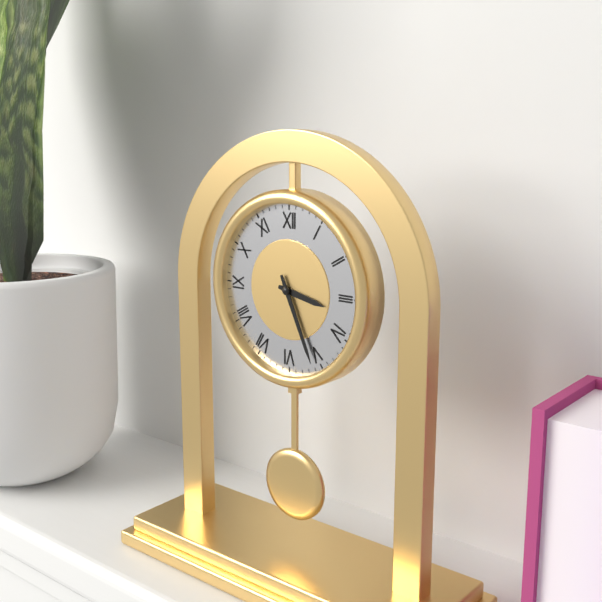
3:26
